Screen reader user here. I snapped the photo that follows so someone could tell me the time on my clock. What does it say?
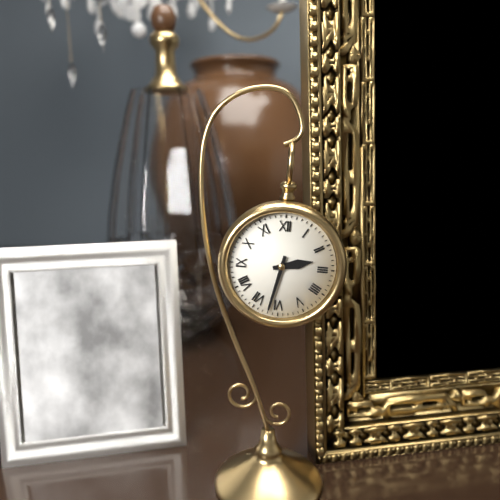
2:32
